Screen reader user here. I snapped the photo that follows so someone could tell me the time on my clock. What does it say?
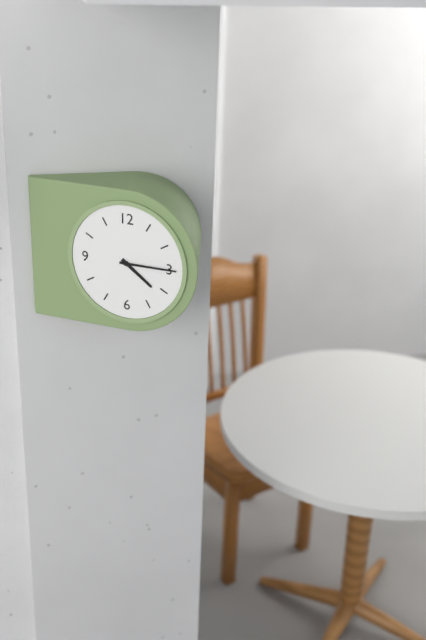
4:15
